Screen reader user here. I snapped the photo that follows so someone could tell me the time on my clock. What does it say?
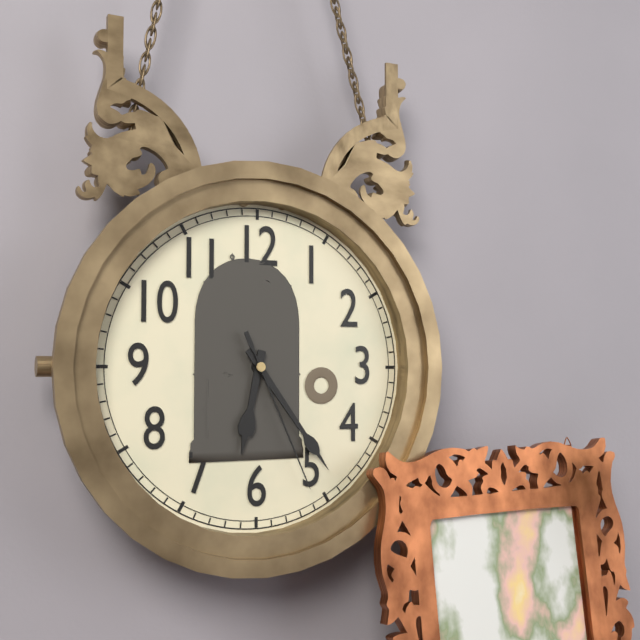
6:24:26
